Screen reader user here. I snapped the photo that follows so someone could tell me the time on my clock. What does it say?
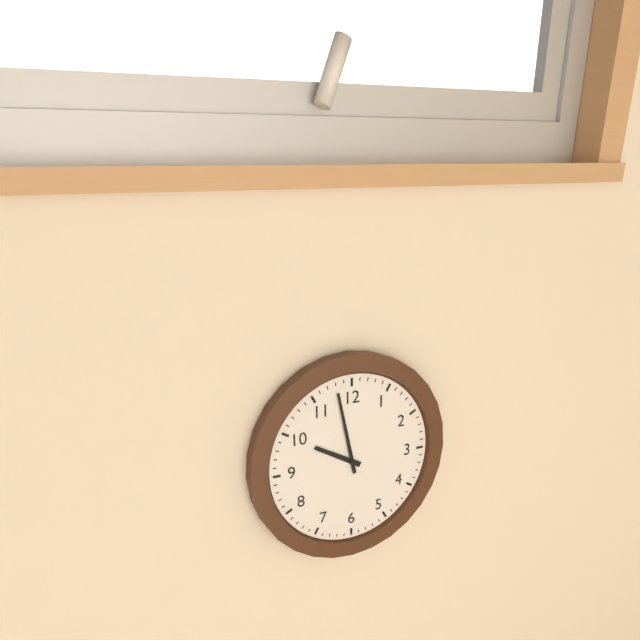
9:58
